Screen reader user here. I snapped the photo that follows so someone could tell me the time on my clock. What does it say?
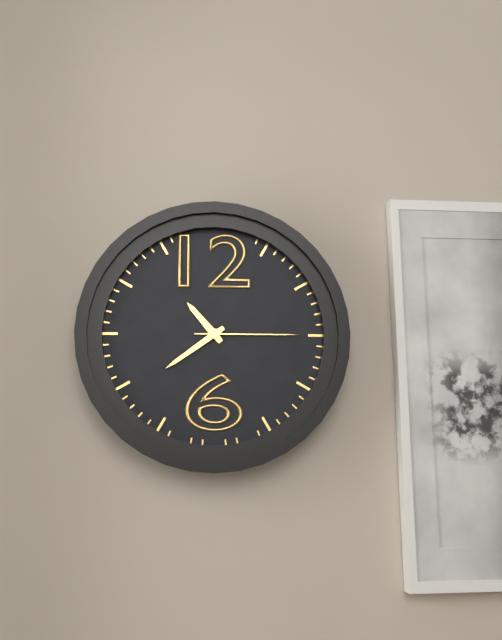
10:39:15
